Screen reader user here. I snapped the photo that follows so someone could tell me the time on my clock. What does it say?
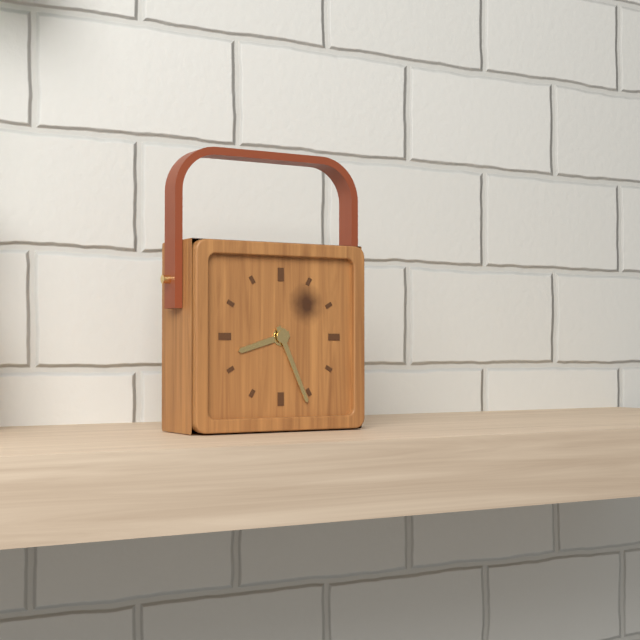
8:26
